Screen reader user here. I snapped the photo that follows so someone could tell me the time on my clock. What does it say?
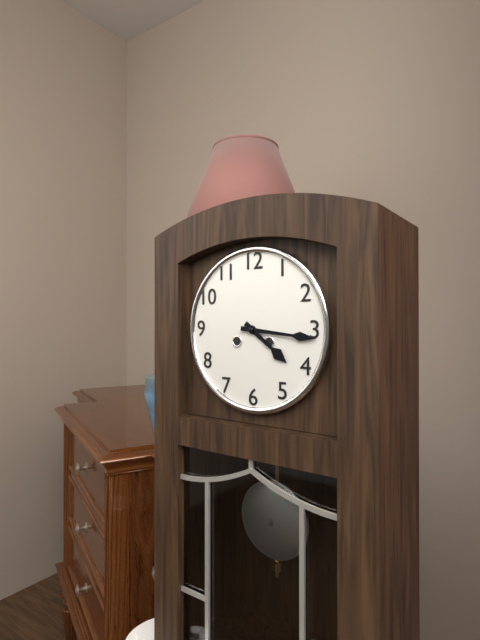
4:16
